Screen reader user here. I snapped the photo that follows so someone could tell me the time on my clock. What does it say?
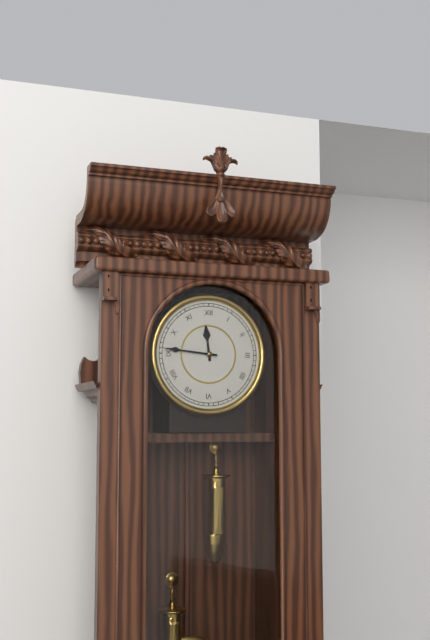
11:46
